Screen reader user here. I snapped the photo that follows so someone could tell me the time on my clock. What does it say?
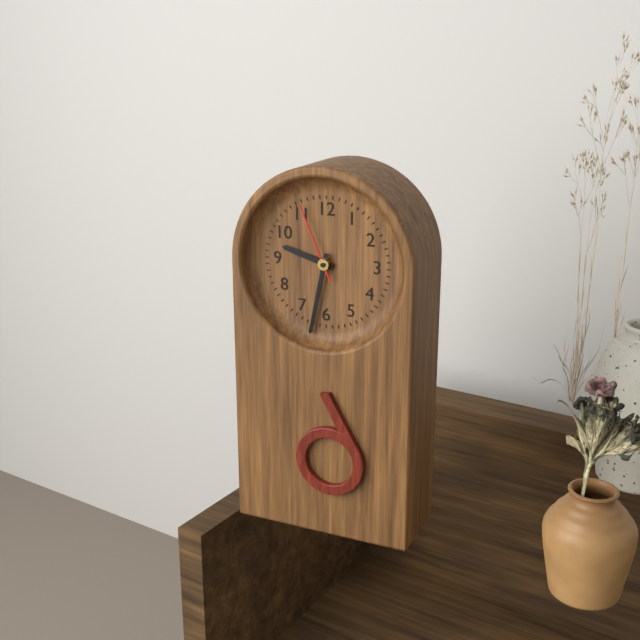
9:32:56
